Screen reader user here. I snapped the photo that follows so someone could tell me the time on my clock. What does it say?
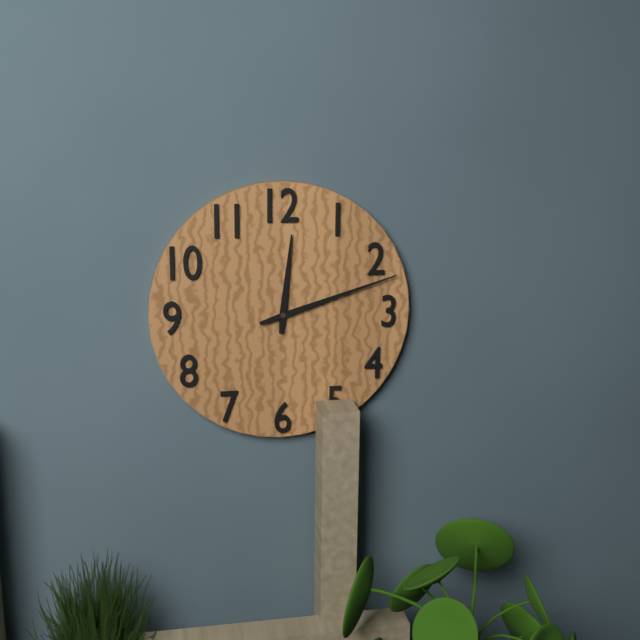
12:12
